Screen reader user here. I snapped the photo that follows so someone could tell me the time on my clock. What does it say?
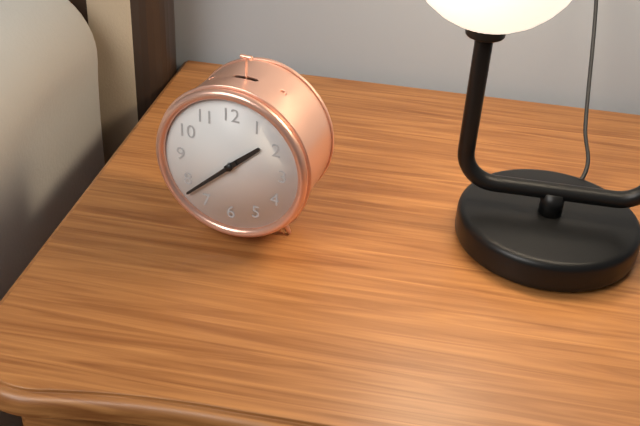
1:38
